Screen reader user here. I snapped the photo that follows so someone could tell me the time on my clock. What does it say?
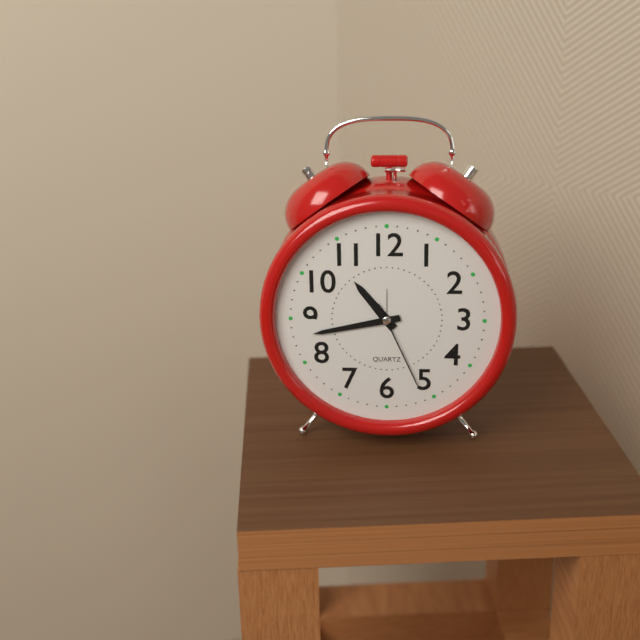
10:43:26
